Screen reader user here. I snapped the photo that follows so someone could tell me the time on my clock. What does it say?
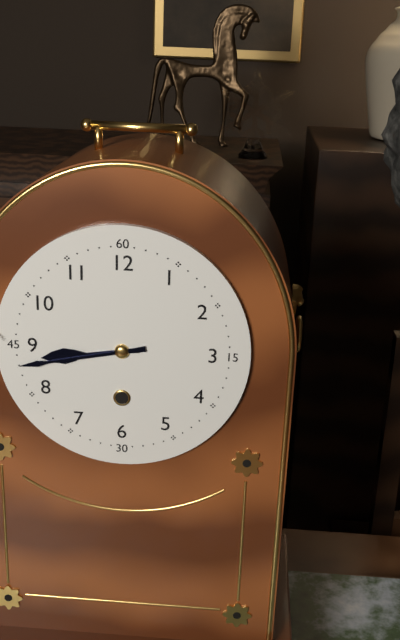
8:43
